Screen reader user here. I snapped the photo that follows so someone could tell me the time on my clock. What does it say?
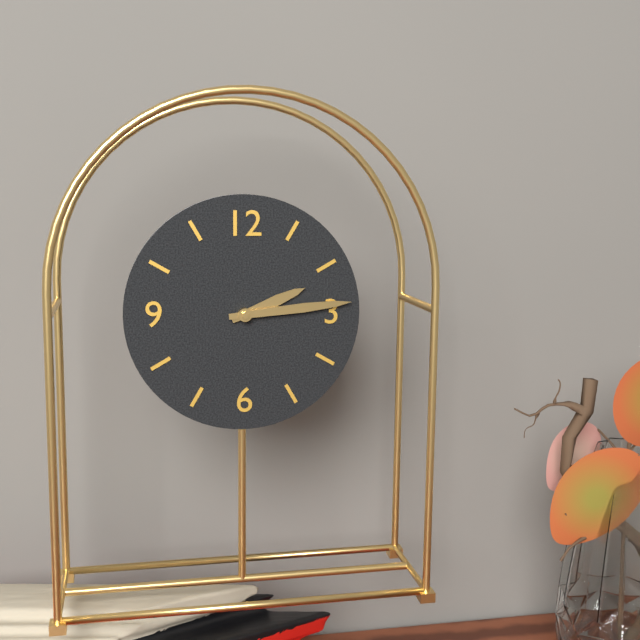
2:14
